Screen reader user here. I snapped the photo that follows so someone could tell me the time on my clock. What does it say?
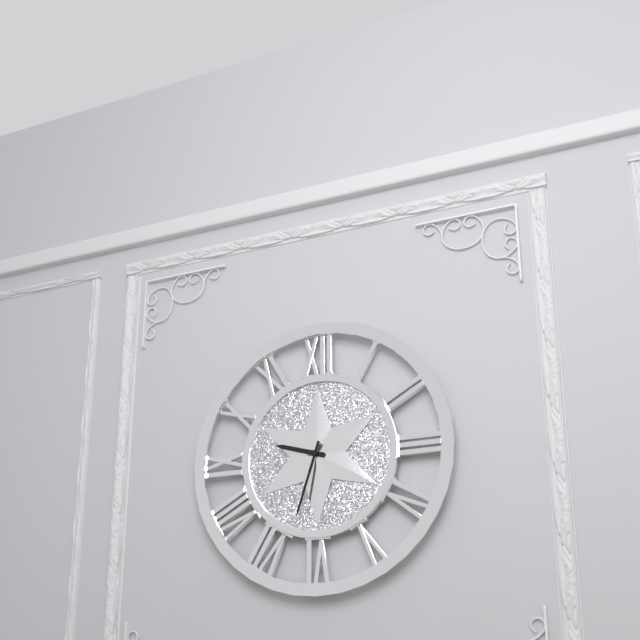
9:33
